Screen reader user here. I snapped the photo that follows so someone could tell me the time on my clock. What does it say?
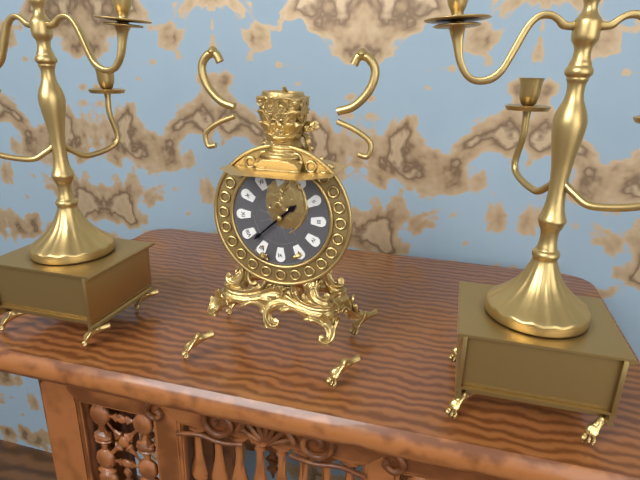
1:38
